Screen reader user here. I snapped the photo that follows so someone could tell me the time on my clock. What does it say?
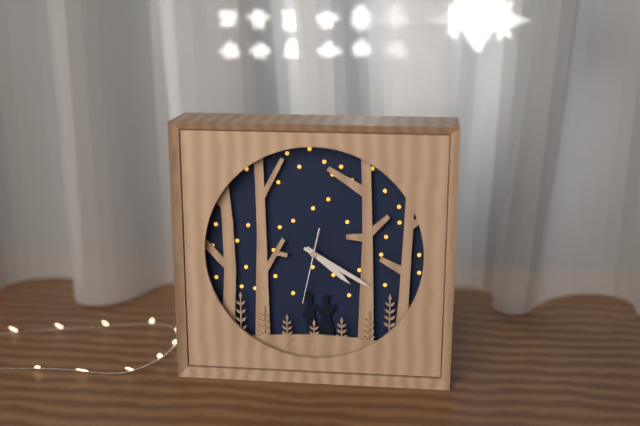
4:20:32
